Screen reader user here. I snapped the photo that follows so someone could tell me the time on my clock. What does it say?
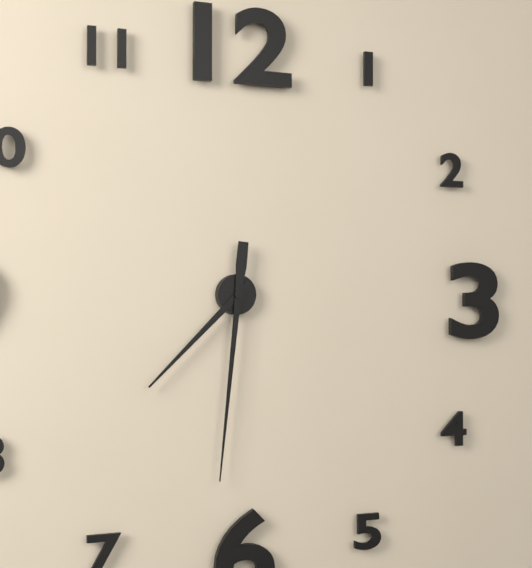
7:31
